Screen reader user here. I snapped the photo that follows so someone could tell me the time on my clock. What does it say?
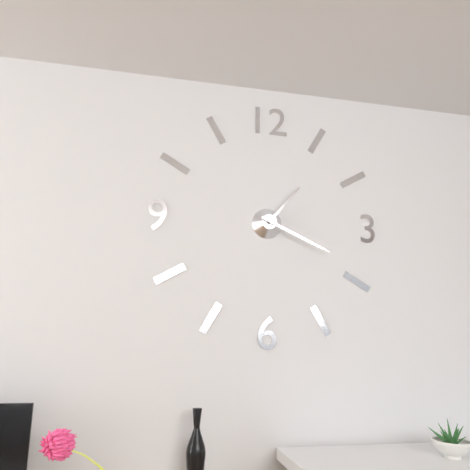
1:19
